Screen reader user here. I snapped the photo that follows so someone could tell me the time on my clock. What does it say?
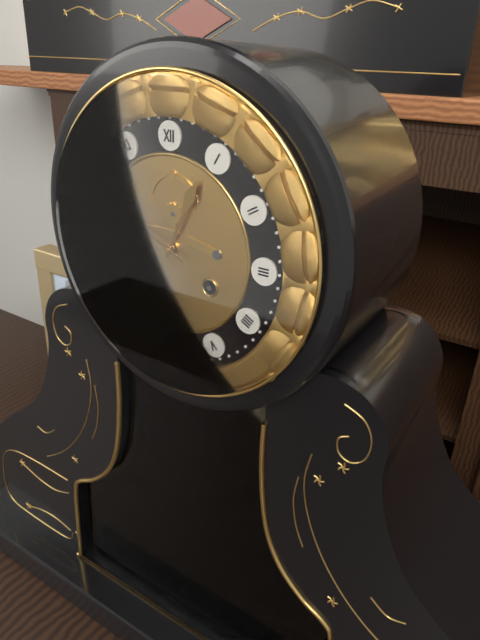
12:49
